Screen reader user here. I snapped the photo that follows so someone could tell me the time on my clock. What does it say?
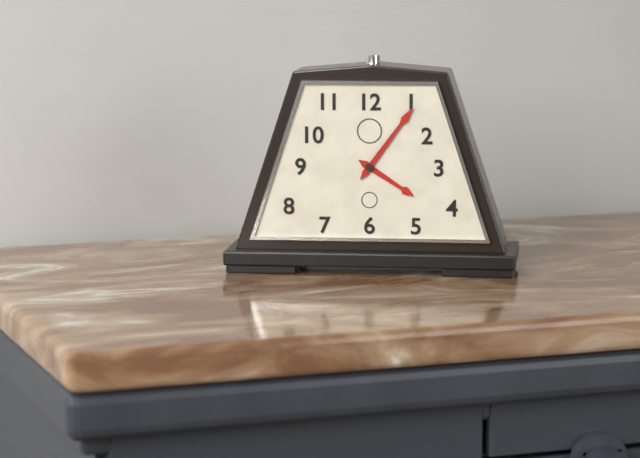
4:06
